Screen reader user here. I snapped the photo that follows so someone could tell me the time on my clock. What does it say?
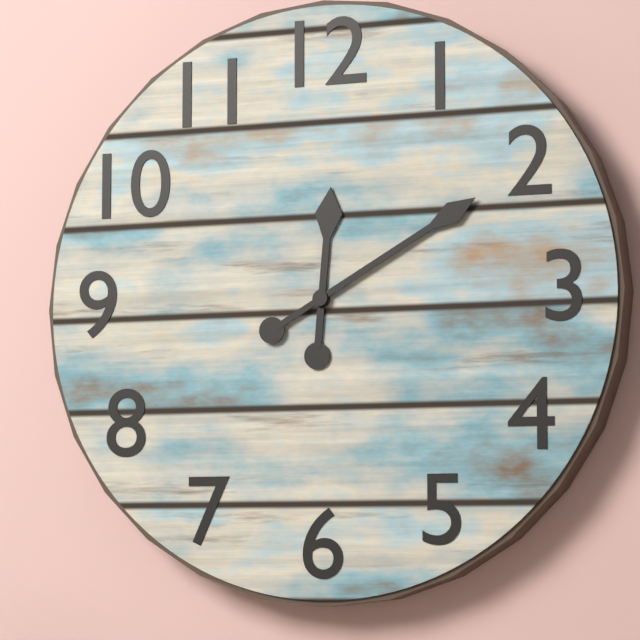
12:10
